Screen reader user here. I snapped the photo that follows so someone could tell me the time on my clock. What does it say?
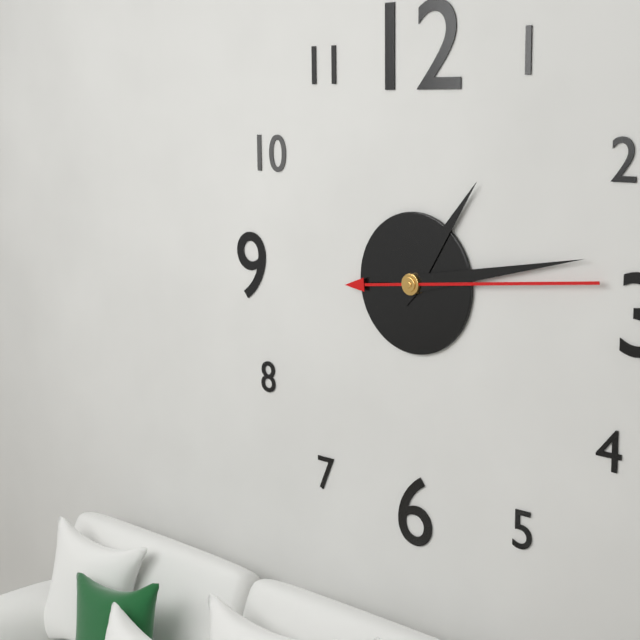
1:13:14
